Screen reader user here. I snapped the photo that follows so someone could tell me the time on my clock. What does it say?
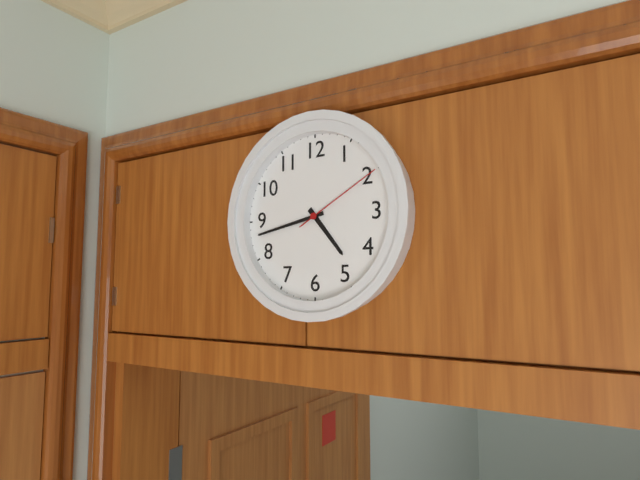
4:43:10
